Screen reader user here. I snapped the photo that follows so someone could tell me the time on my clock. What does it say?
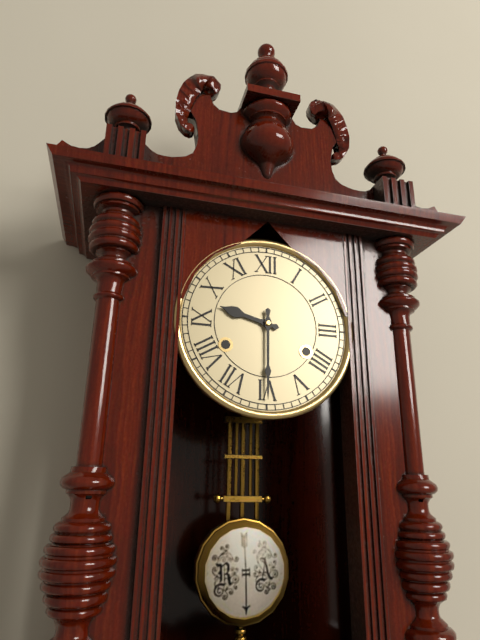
9:30
